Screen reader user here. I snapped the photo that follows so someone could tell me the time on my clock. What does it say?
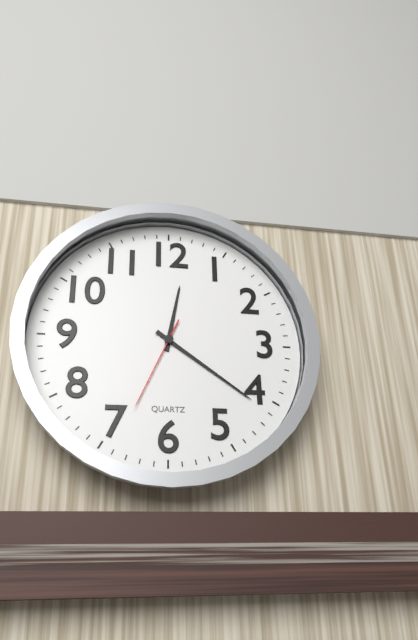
12:21:34
